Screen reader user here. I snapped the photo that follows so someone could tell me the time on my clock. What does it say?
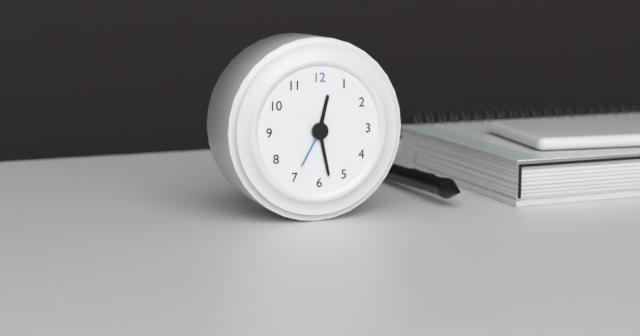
12:28:35
